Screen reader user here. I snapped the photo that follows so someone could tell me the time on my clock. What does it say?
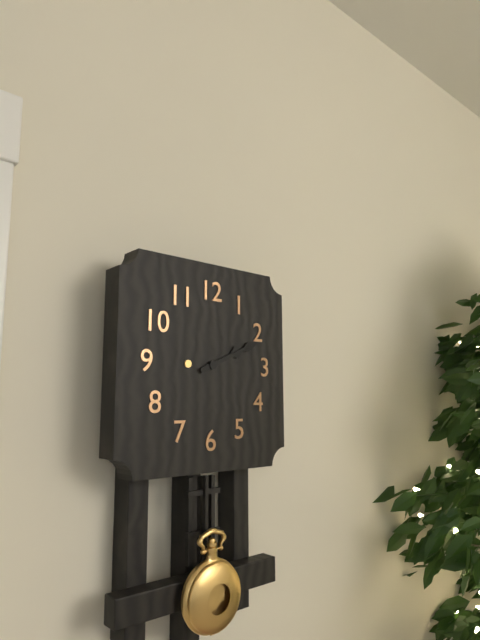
2:11
